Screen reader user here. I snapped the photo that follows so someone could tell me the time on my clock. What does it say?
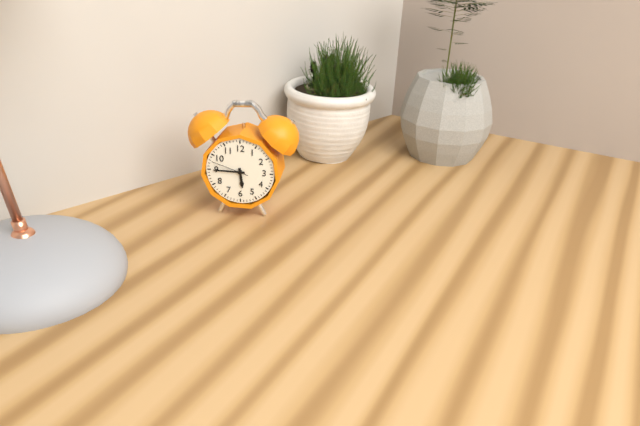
5:45
